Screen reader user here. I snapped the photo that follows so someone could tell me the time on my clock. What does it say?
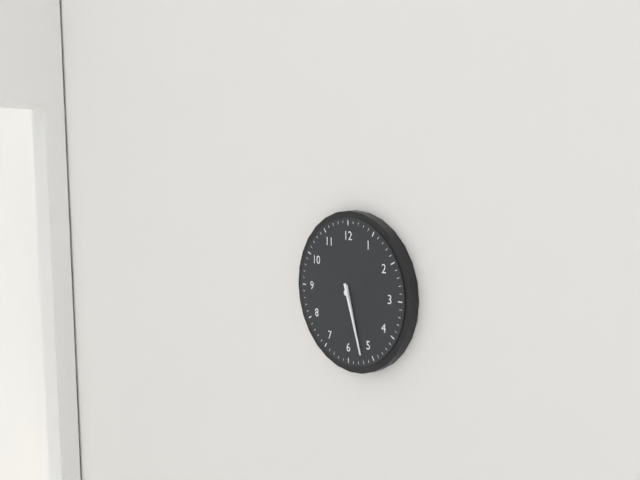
5:27
